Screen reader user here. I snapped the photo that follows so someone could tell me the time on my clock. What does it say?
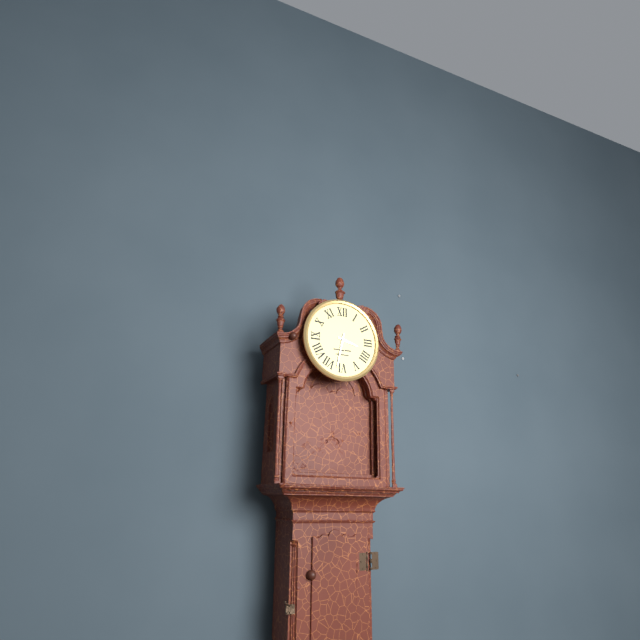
3:32
